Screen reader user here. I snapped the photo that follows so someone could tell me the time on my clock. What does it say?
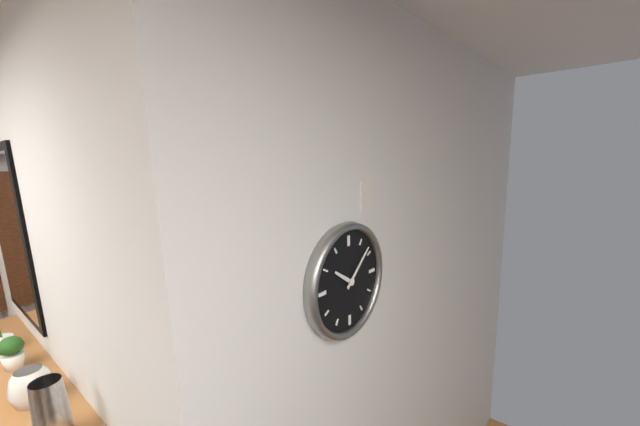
10:08
